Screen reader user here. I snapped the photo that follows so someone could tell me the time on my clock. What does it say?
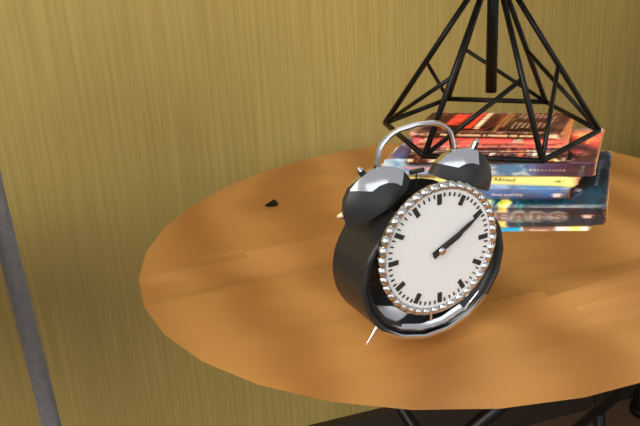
2:10
